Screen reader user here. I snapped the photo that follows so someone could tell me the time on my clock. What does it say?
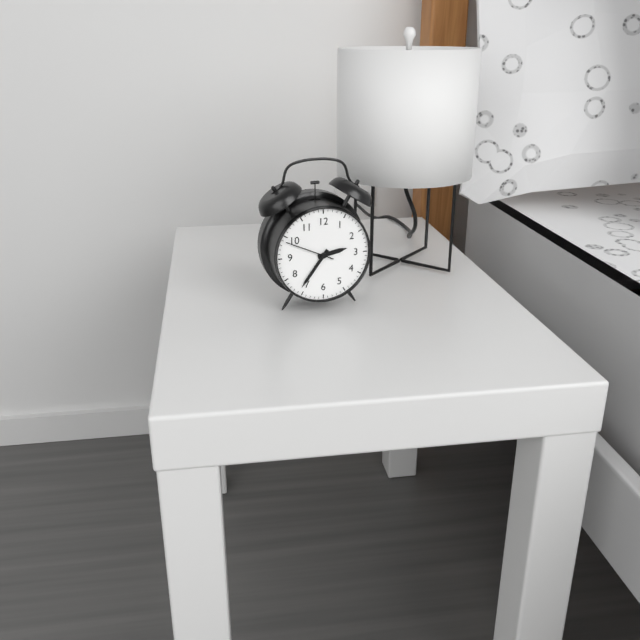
2:36:49
